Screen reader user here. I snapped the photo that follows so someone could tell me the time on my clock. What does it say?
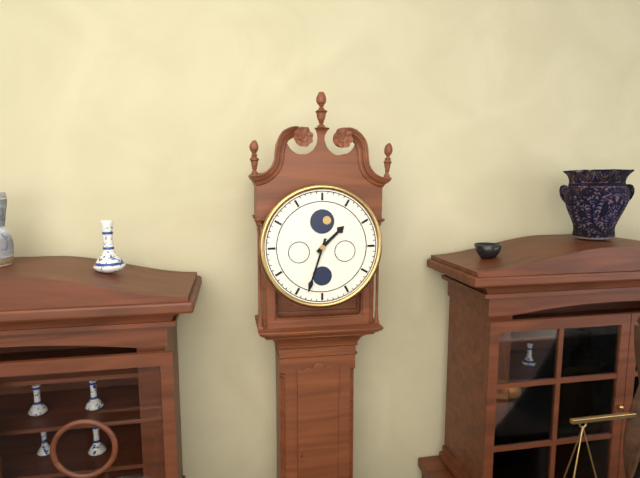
1:33
